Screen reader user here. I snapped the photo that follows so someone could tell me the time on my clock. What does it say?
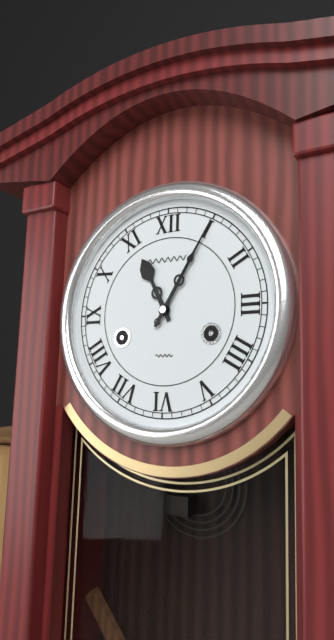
11:05
